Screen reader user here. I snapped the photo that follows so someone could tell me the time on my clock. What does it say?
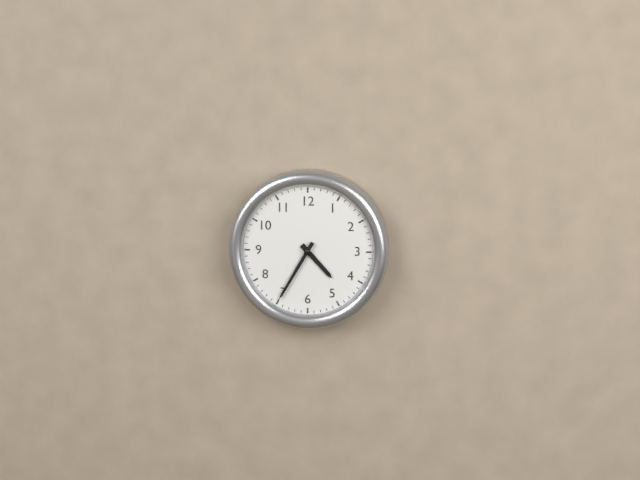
4:35
